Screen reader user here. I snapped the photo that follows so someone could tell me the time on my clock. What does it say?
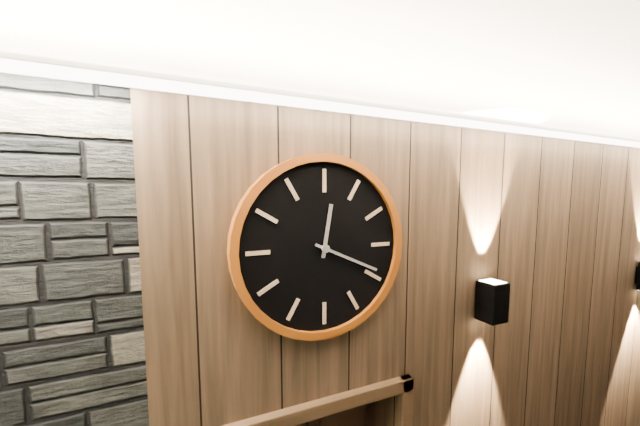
12:19
